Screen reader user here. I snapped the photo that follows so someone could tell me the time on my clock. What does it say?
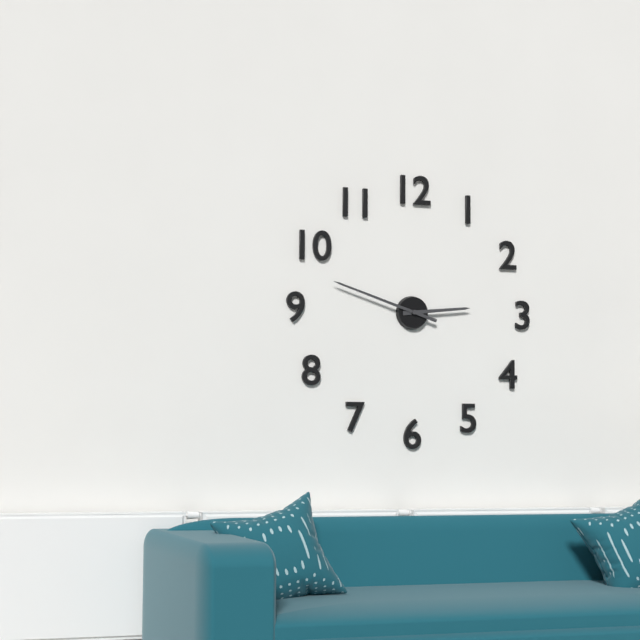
2:48
